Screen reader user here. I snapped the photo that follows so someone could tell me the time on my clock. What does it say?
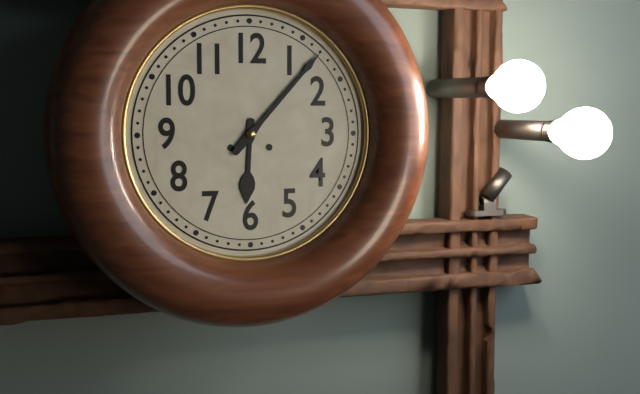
6:07
